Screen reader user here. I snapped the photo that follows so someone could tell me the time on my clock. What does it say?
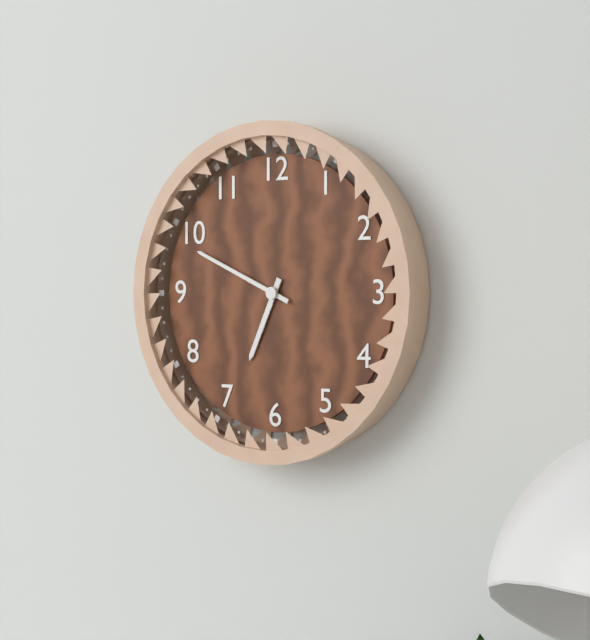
6:49
